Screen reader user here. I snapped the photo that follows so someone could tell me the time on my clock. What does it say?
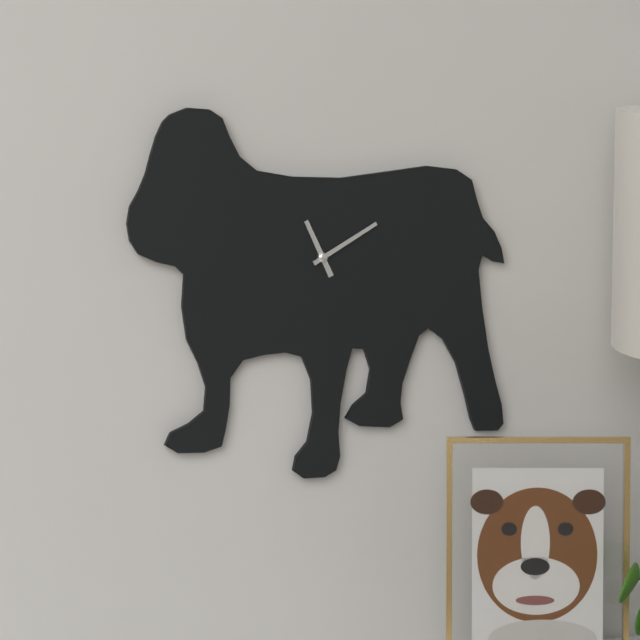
11:10
